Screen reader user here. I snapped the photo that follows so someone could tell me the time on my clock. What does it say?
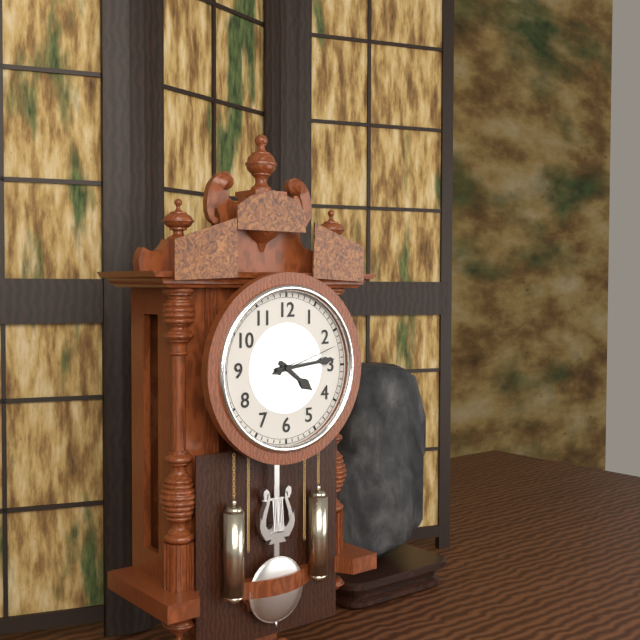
4:14:12
